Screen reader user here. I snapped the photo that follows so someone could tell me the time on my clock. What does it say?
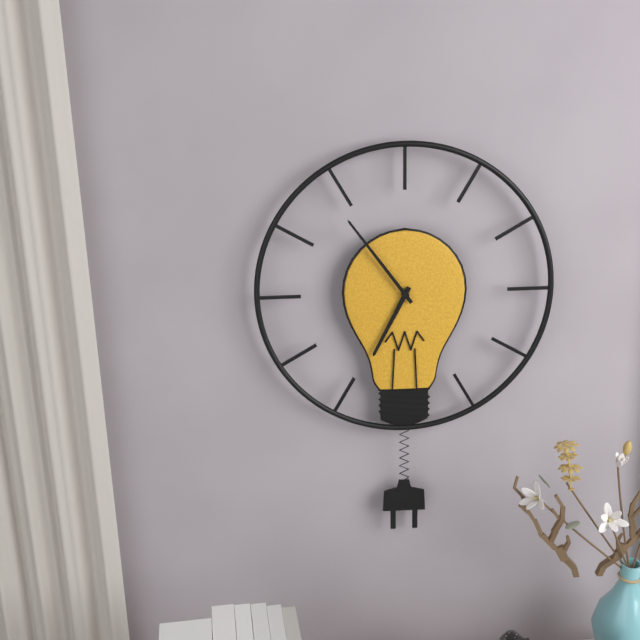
6:54
